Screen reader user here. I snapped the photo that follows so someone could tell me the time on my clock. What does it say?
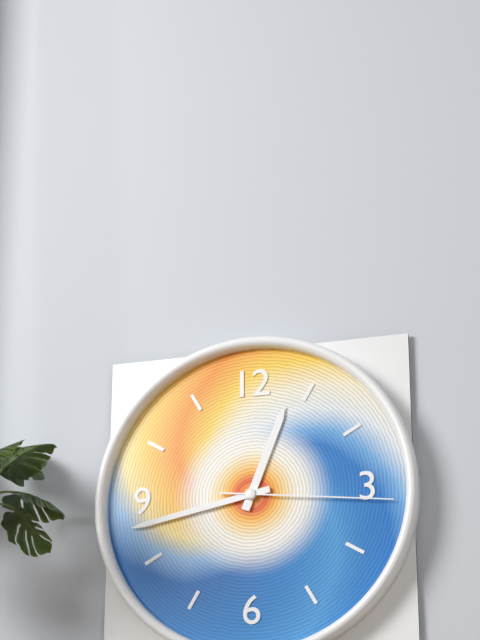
12:43:16
